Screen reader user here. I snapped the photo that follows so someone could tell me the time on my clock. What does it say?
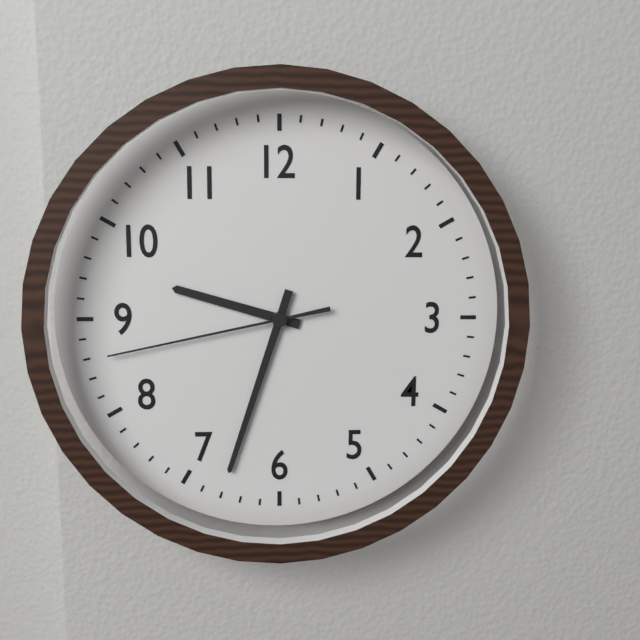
9:33:43
